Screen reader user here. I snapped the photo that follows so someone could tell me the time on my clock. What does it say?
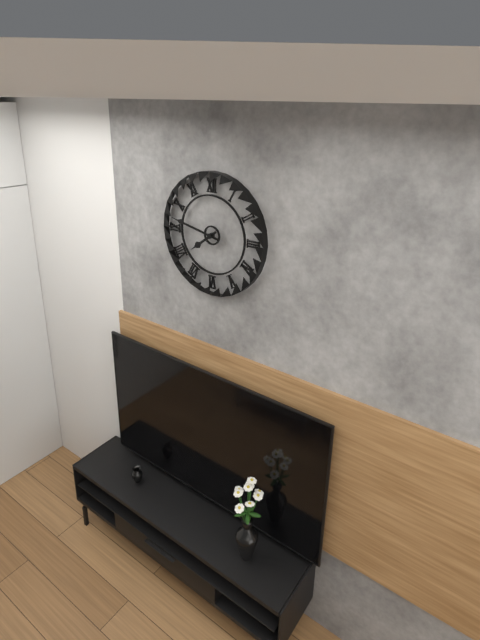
7:47
